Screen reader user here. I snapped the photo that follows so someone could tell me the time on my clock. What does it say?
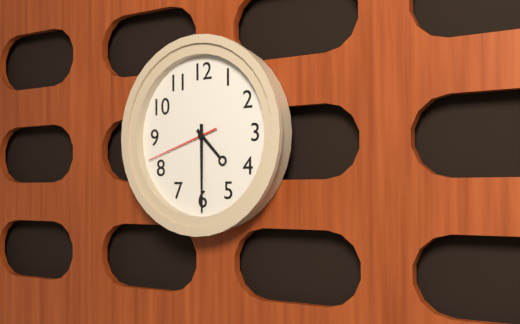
4:30:42
